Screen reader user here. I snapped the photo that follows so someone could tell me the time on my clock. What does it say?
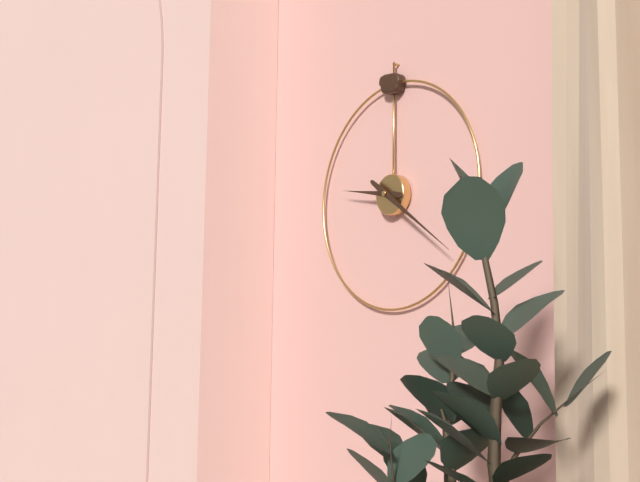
9:21
